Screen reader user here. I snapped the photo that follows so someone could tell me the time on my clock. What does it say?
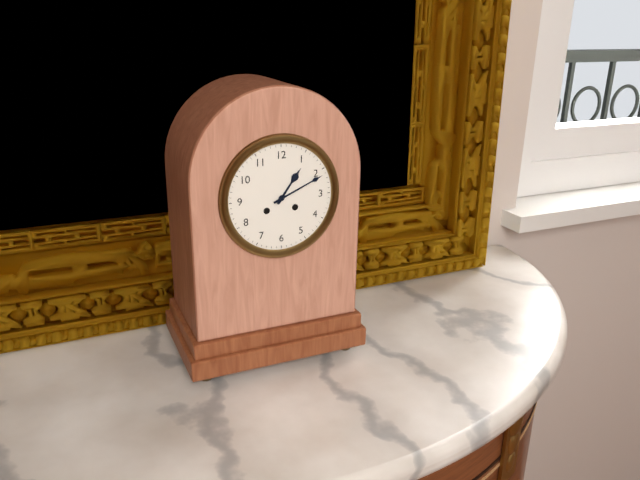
1:11
